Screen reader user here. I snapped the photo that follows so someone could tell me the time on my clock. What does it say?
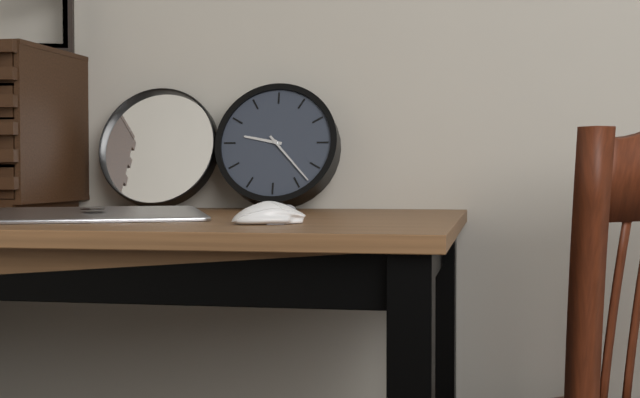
9:23
